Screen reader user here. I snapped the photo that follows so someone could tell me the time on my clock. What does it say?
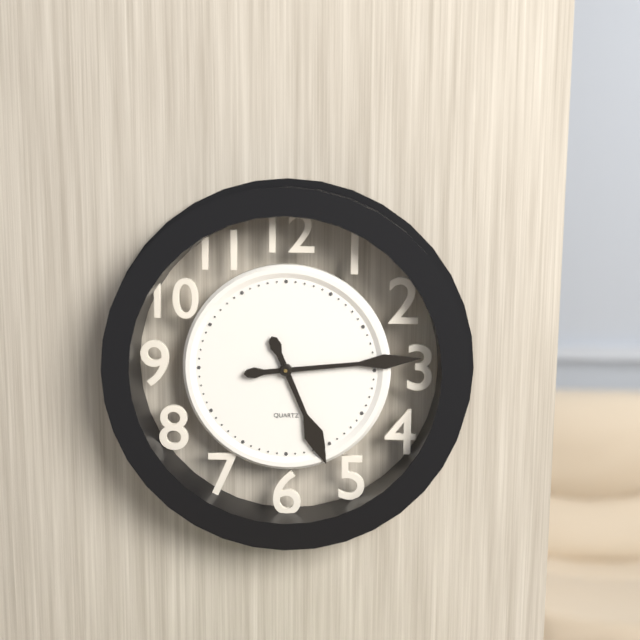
5:14
